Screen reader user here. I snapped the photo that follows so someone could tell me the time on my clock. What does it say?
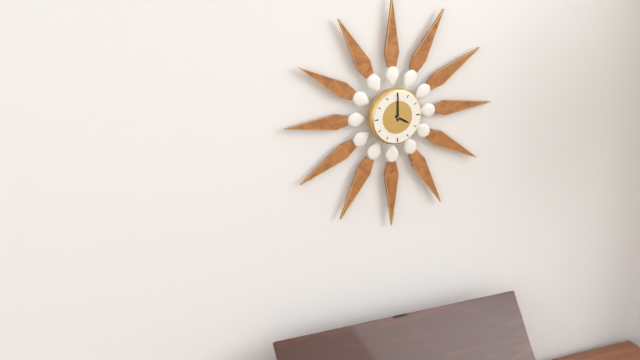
4:00
